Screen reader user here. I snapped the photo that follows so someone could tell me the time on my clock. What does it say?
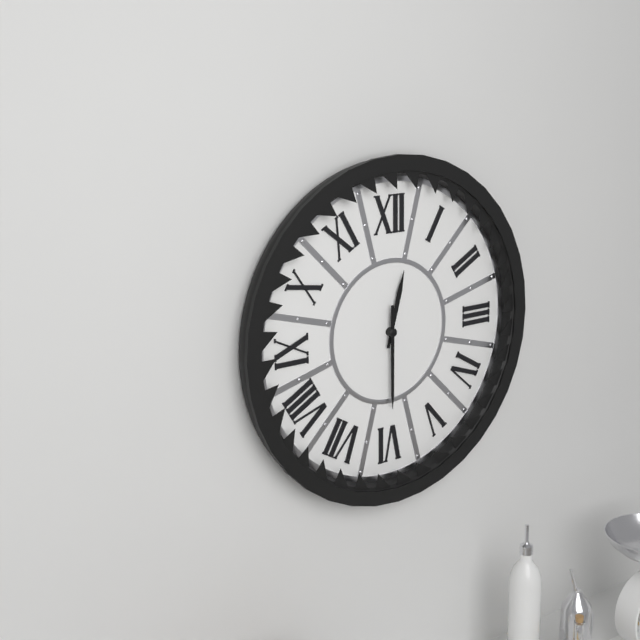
12:30
